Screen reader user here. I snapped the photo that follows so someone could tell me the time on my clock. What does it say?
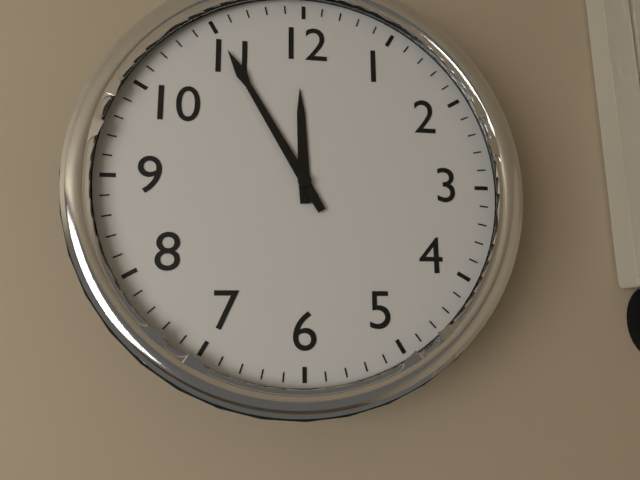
11:55
